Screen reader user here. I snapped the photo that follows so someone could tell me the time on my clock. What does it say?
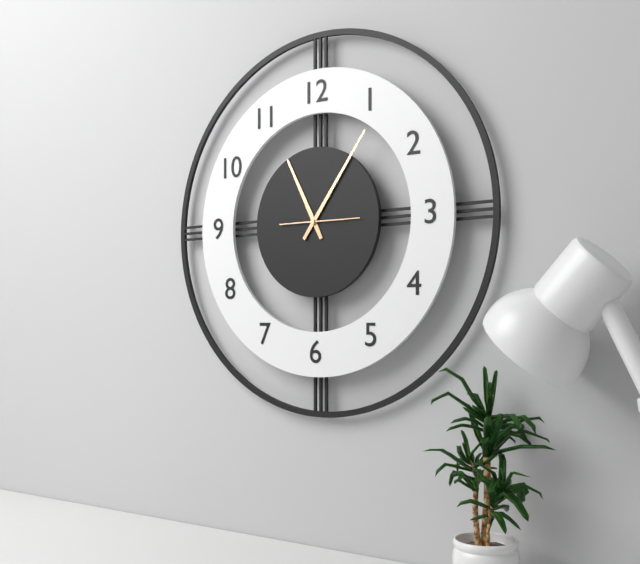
11:06:15
